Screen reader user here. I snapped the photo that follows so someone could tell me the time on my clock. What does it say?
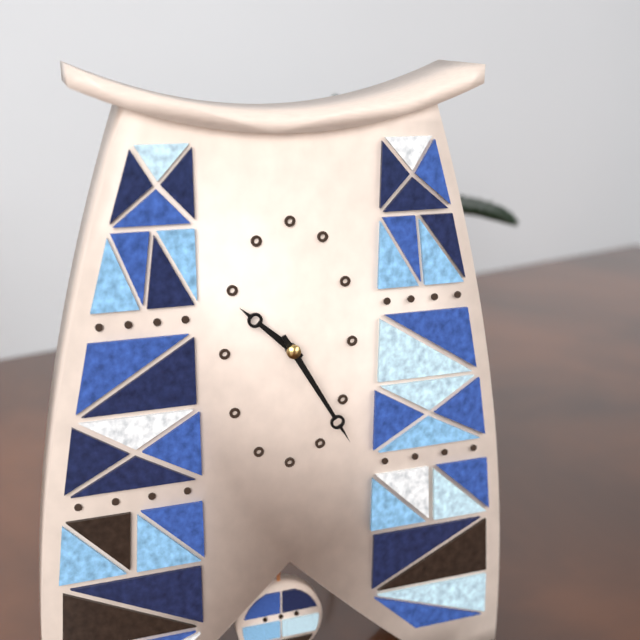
10:25
